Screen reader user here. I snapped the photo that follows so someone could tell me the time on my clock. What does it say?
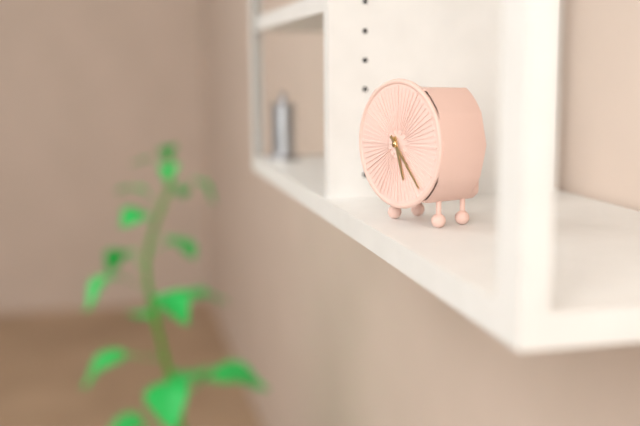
5:23
